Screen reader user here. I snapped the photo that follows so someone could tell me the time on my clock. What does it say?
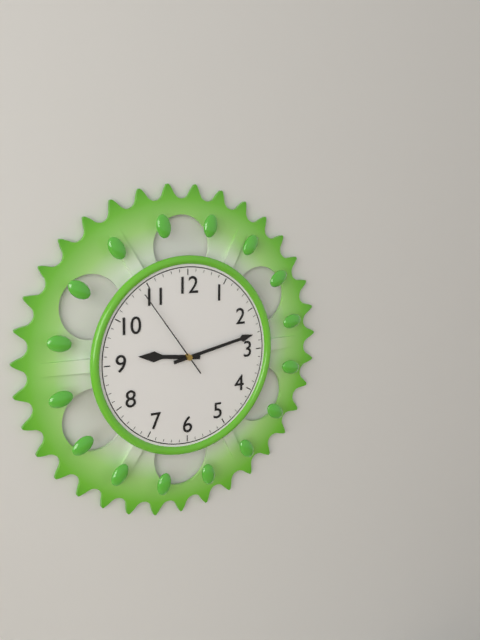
9:13:54
